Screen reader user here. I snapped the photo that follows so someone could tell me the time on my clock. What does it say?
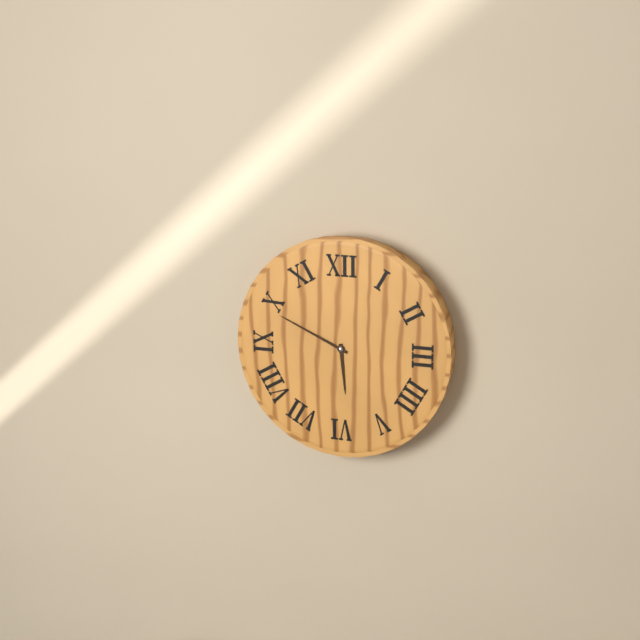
5:49
